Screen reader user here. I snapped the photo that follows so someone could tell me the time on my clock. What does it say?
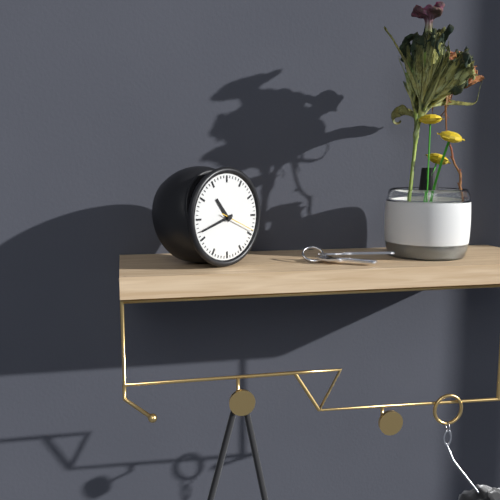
10:42
